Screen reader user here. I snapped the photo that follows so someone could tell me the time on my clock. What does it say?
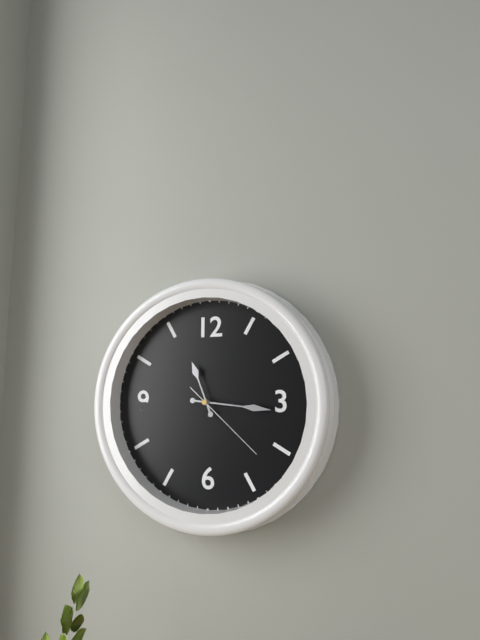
11:16:22
